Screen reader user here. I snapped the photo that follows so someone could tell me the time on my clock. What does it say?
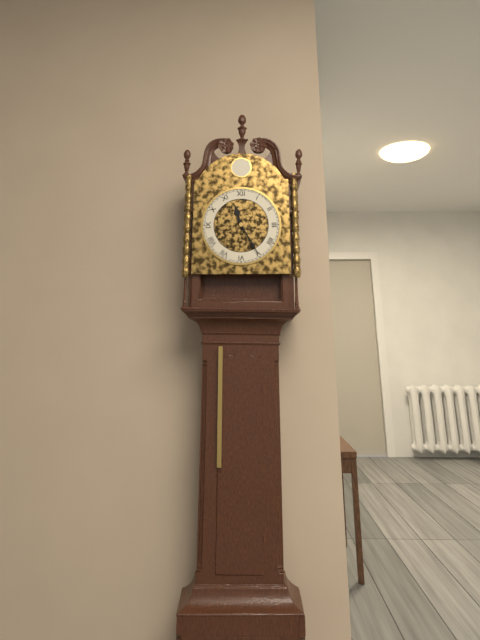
11:25
